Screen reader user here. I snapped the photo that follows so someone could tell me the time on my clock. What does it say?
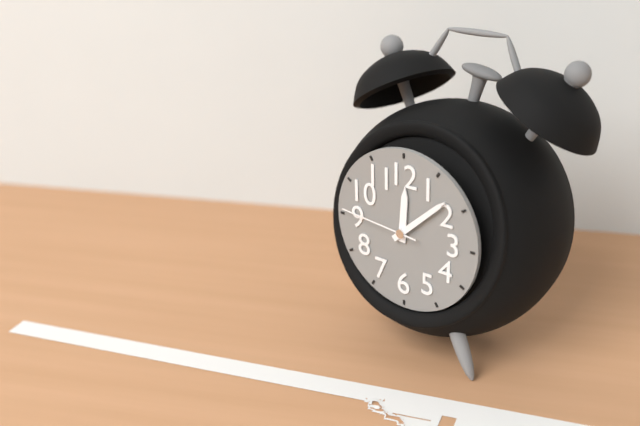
12:08:46
